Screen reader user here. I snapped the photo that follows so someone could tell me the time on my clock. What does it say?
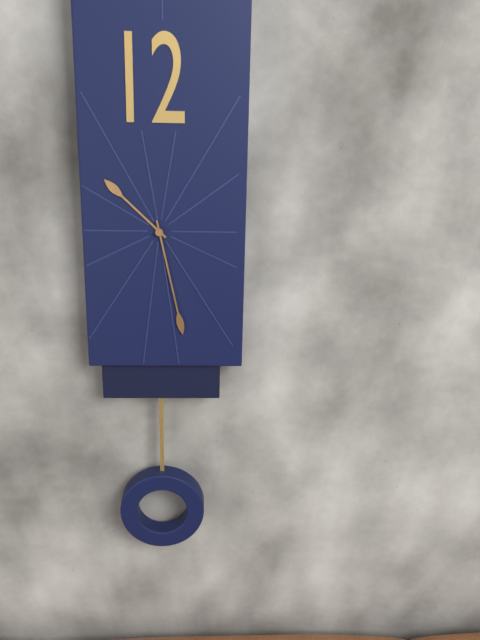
10:28
